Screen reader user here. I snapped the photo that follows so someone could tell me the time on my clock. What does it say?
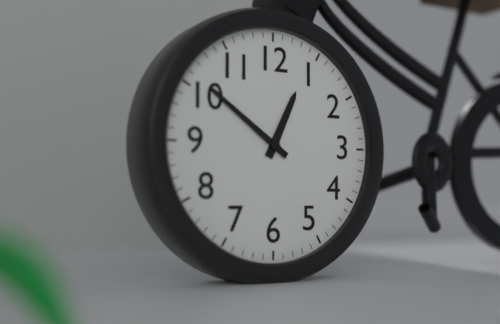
12:51
